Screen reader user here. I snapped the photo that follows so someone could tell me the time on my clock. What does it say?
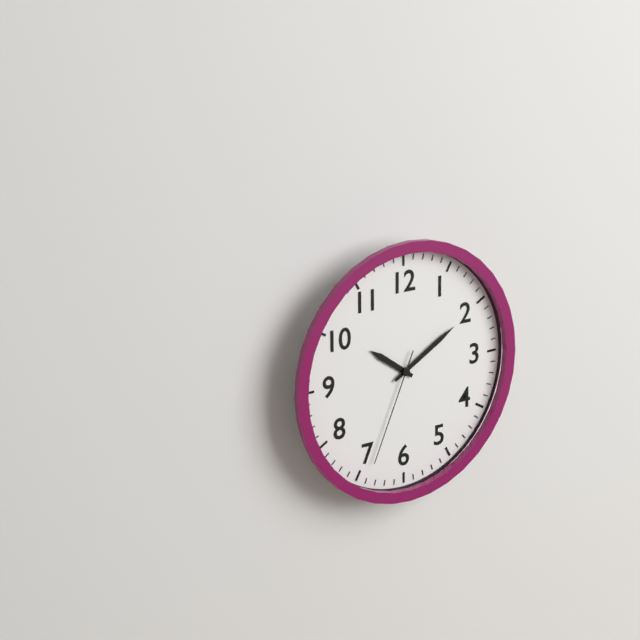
10:10:34
